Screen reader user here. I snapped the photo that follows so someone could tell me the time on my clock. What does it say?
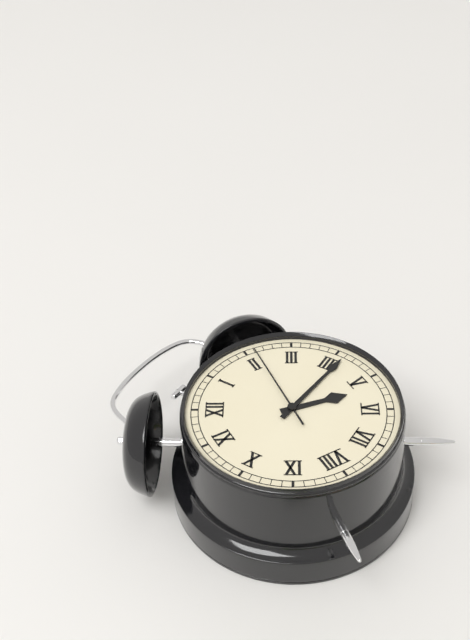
5:21:11
